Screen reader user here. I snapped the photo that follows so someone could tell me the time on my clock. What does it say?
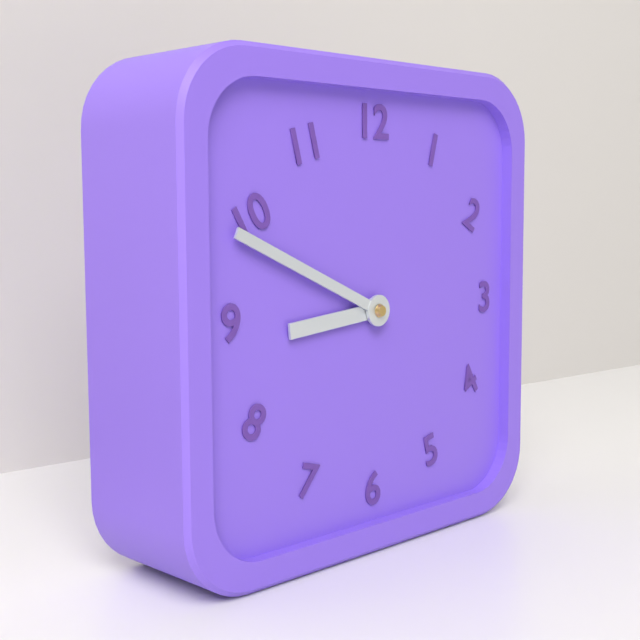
8:49
